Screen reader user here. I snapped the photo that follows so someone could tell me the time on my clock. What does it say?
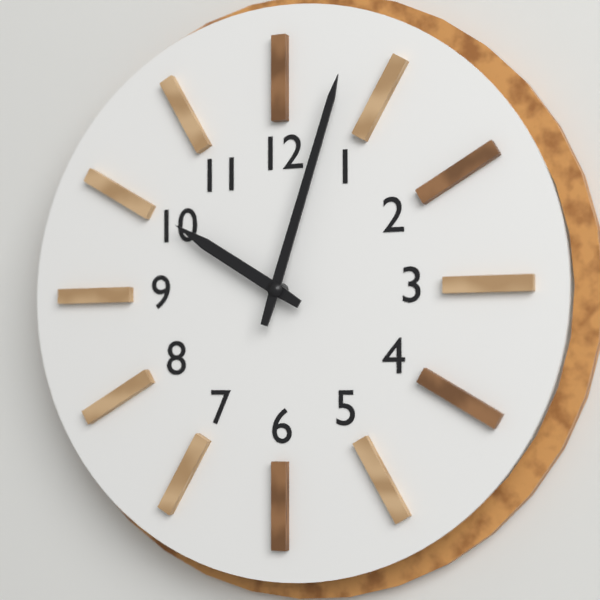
10:03
